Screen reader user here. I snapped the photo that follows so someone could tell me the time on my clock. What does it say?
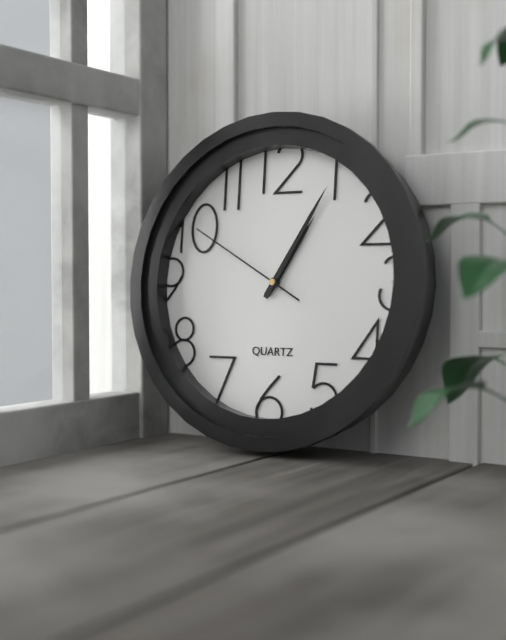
1:05:50
